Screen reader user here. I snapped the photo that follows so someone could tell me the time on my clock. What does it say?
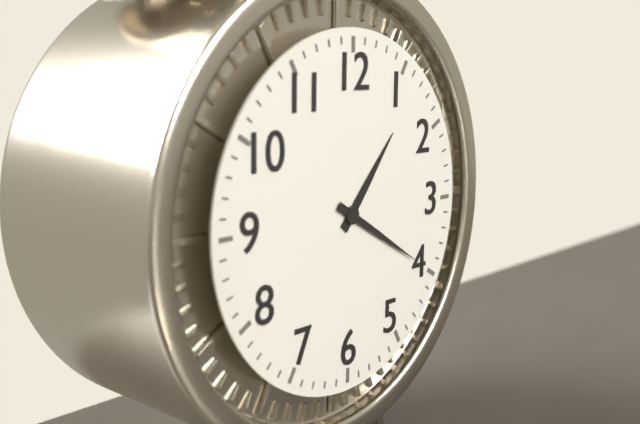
1:20
